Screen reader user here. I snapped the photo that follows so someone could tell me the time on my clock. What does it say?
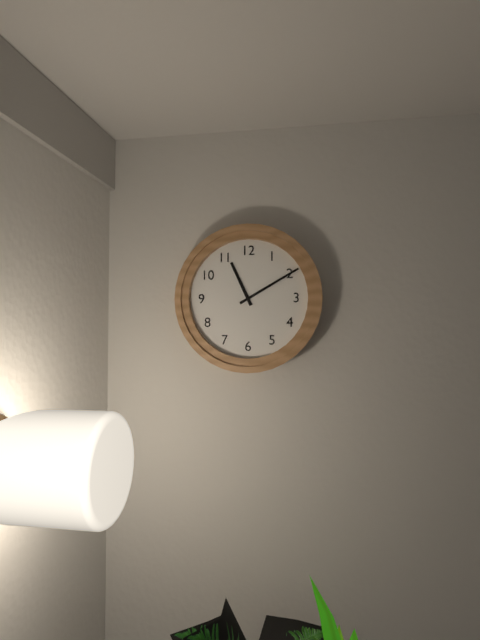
11:10
